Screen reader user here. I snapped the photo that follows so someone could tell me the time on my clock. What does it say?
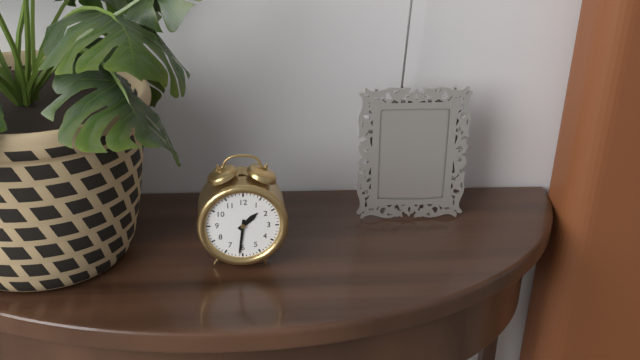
1:31
